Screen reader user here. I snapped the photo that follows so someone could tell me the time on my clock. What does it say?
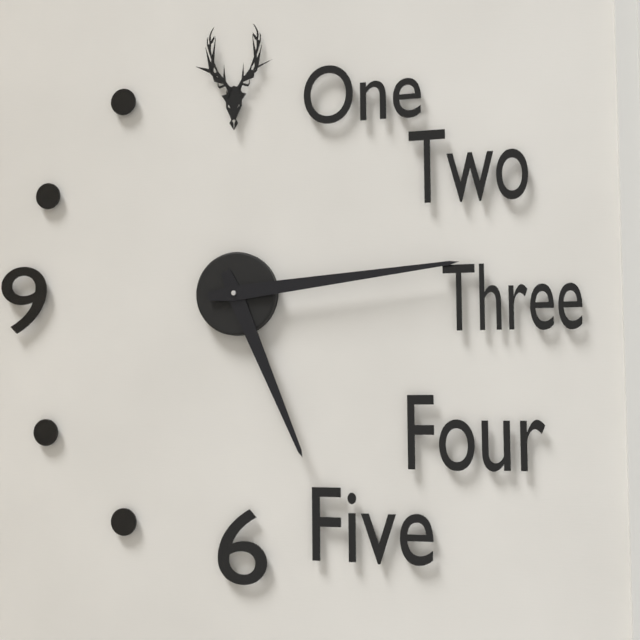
5:14
